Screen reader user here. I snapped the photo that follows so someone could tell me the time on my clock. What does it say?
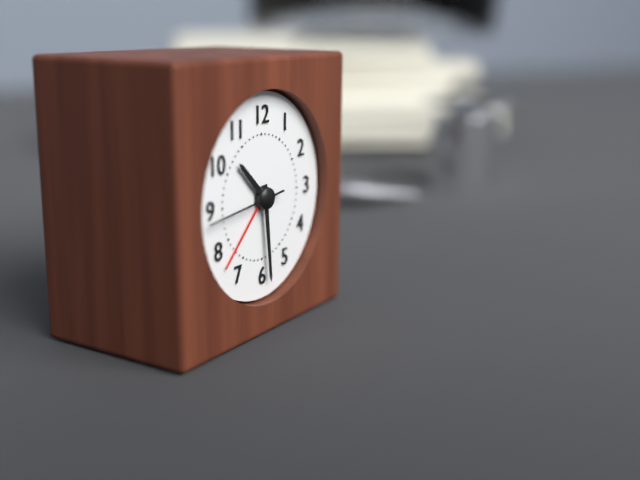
10:29:44
